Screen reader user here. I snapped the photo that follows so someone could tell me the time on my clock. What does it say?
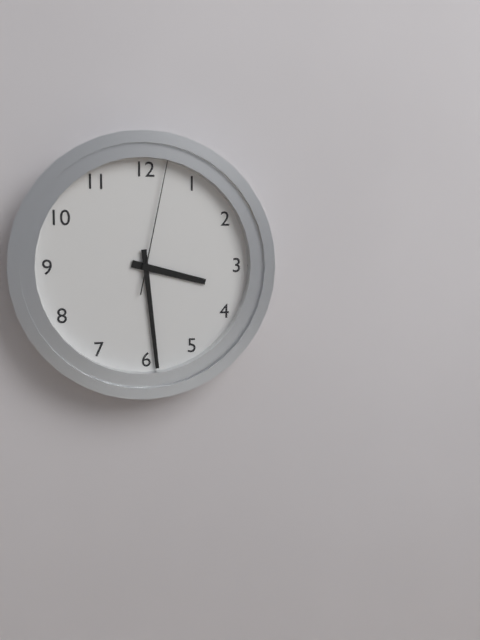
3:29:02
